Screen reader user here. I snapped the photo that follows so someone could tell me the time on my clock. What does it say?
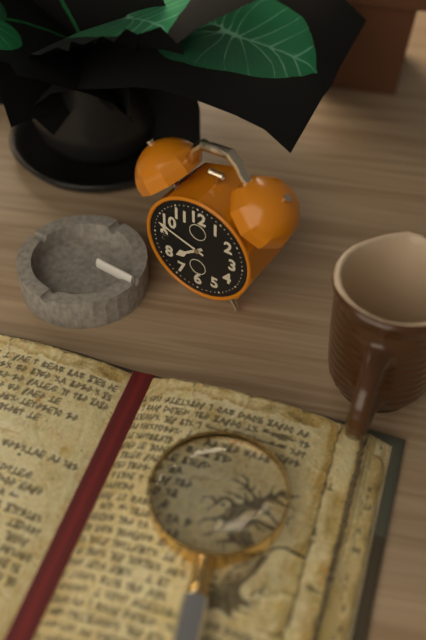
7:48
